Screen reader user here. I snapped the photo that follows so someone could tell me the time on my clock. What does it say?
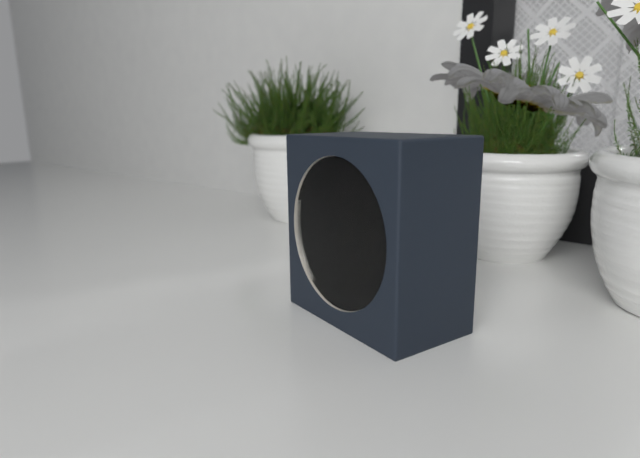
12:00:39
